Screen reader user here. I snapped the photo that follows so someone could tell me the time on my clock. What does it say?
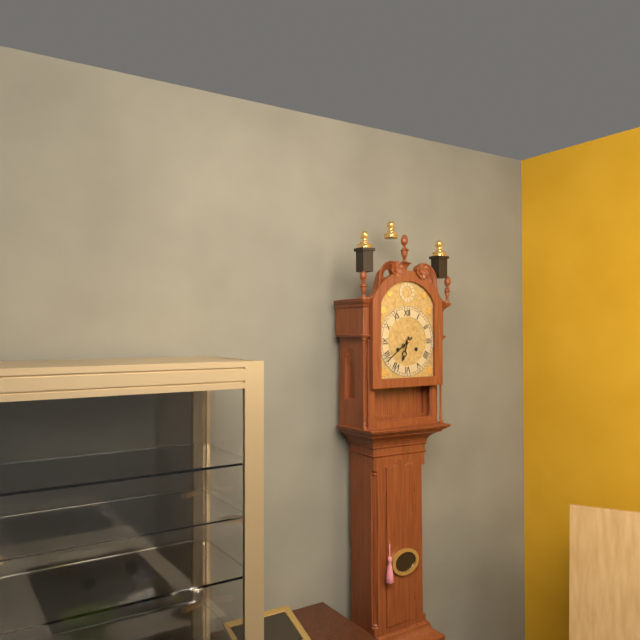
6:39
